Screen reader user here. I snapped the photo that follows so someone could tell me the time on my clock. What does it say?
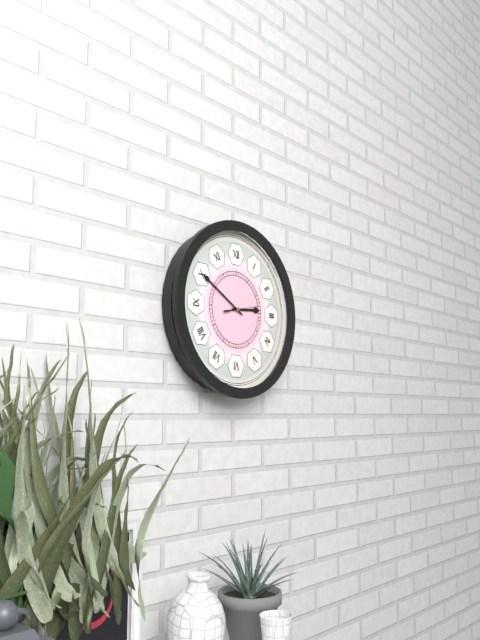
2:50
